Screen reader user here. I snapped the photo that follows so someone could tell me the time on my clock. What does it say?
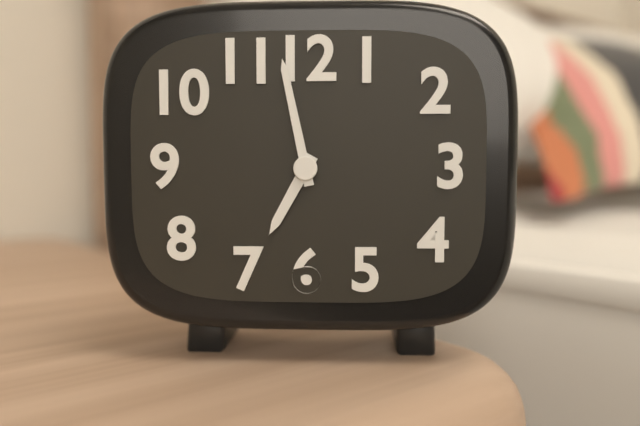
6:58
